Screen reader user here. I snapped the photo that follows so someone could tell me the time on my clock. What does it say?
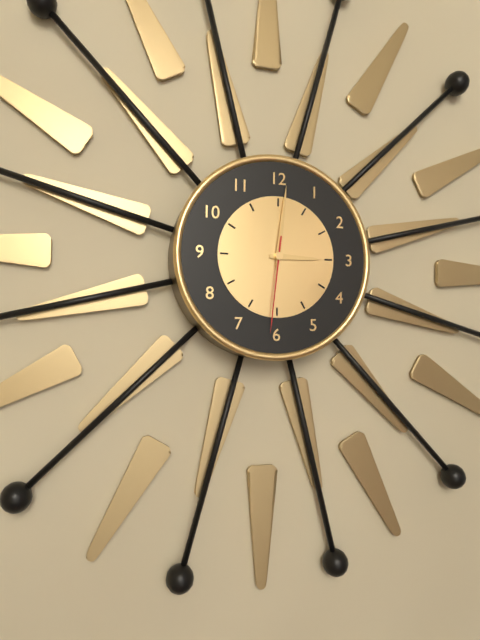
3:01:31
